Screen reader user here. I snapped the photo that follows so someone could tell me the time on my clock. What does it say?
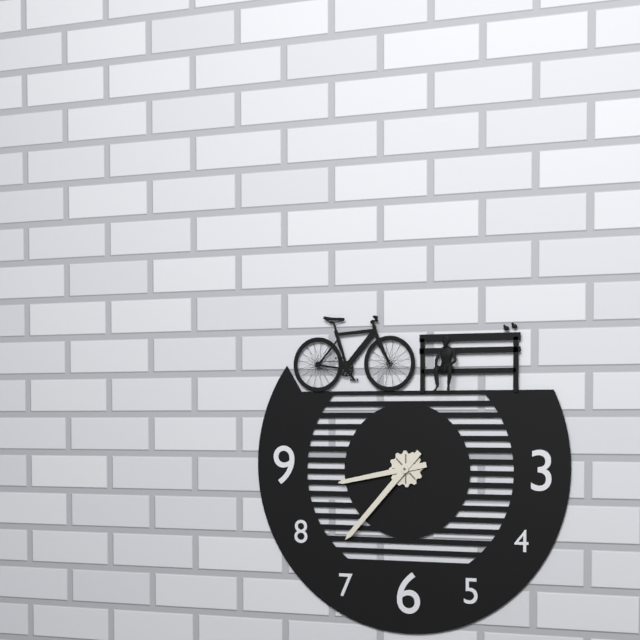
8:37
